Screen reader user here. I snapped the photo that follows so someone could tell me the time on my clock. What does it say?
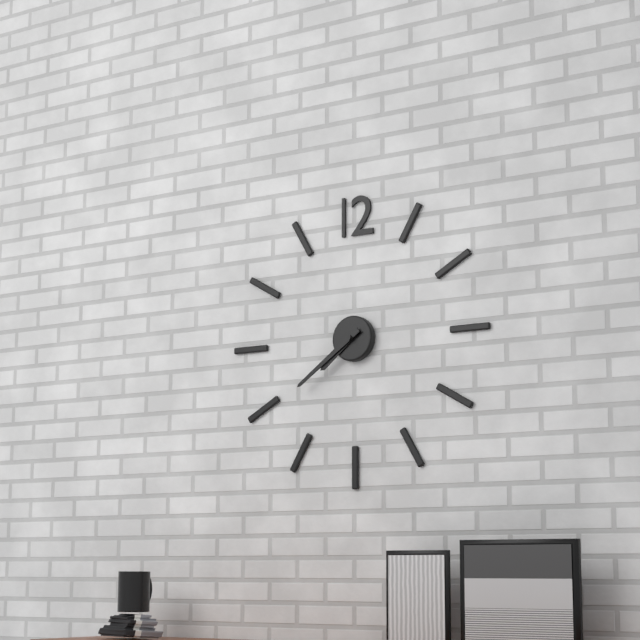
7:39
